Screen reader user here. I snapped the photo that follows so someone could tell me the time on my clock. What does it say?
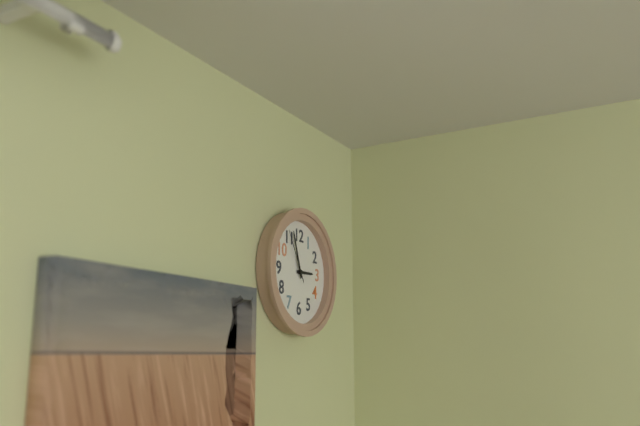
2:57:55
